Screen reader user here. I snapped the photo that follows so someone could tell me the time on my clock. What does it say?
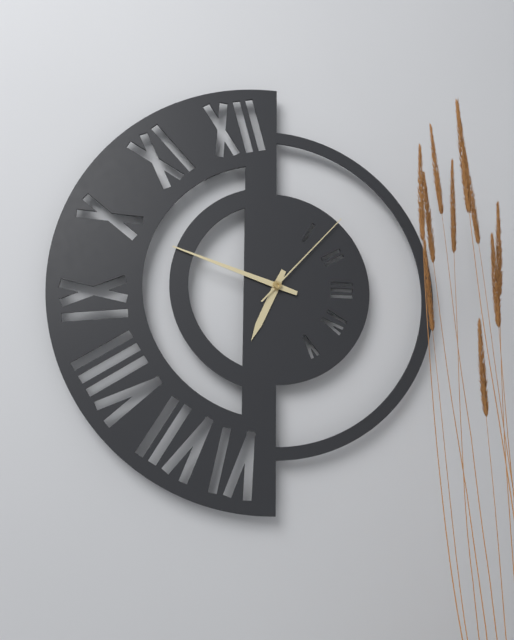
6:48:07
